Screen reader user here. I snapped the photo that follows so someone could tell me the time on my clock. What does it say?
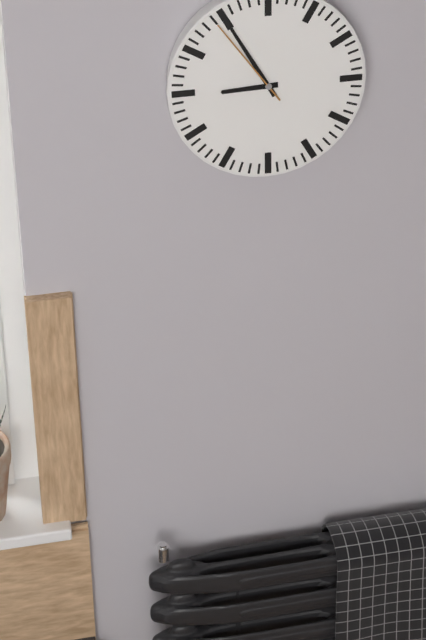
8:55:54
